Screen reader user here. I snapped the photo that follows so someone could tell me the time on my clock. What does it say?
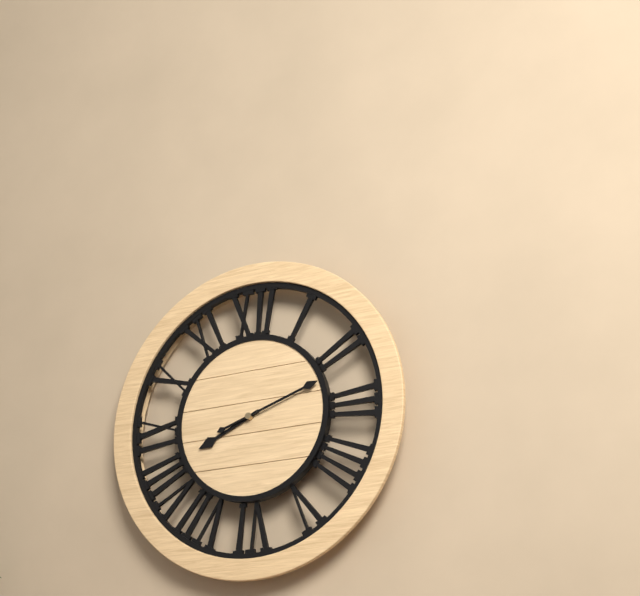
8:12
